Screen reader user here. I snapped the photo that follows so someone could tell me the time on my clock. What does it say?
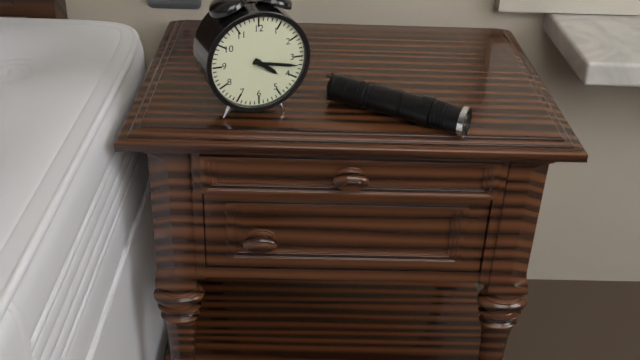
4:17
